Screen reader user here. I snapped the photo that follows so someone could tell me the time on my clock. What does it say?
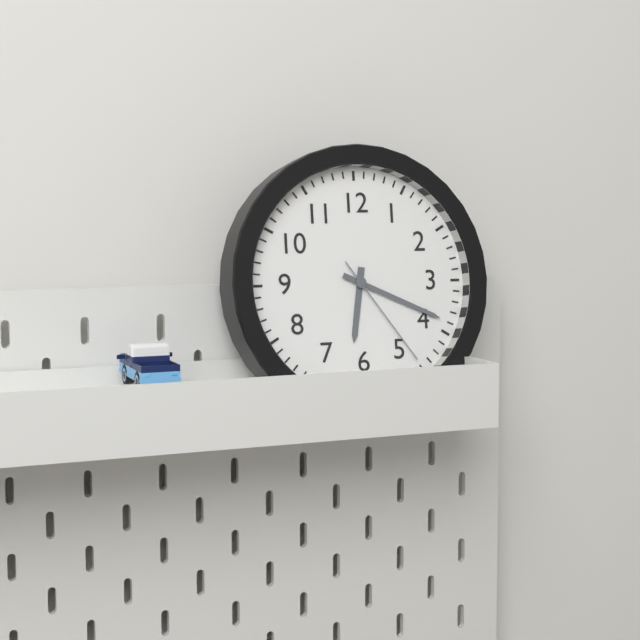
6:19:24
